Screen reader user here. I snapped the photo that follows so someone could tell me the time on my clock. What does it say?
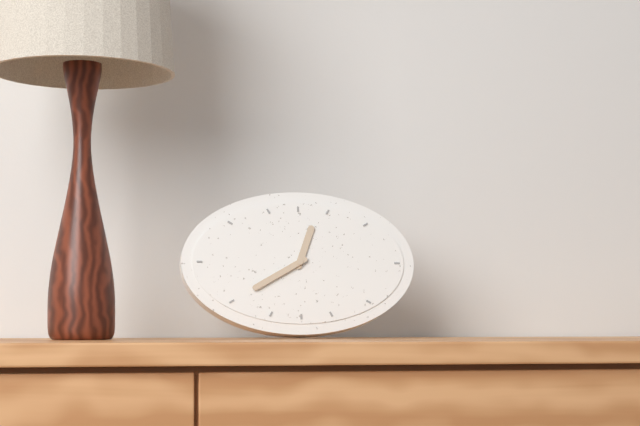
12:40
